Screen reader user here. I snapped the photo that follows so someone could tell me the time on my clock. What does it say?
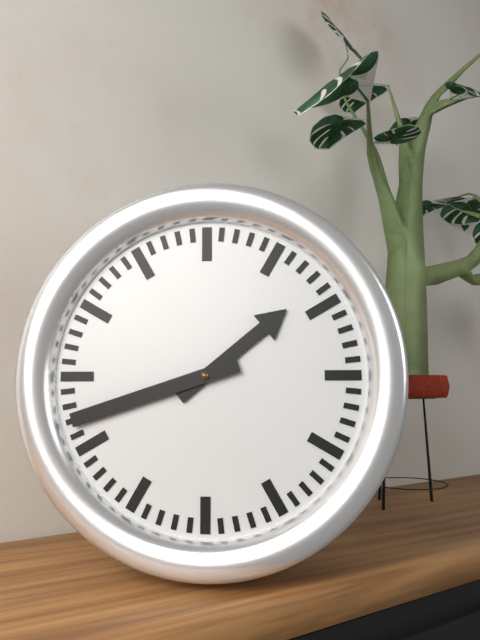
1:42
